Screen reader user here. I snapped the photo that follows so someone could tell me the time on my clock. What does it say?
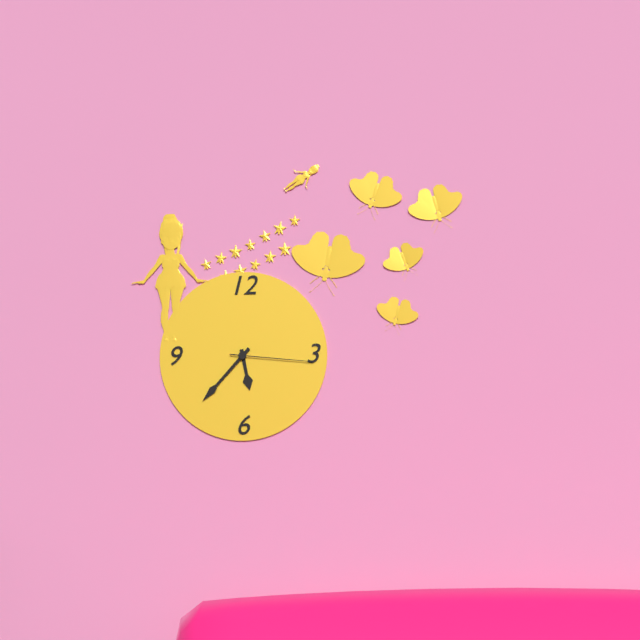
5:37:16
